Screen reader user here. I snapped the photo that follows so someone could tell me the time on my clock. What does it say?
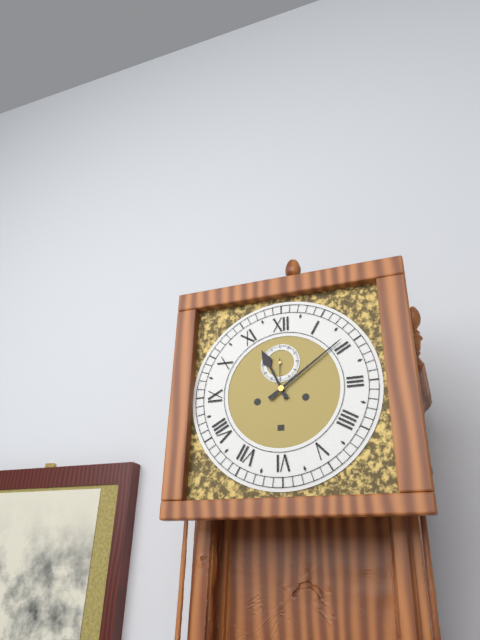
11:09
